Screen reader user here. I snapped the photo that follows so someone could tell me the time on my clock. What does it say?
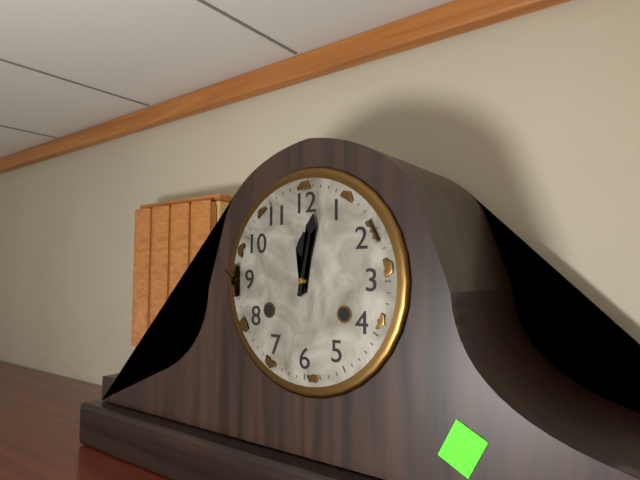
12:02
